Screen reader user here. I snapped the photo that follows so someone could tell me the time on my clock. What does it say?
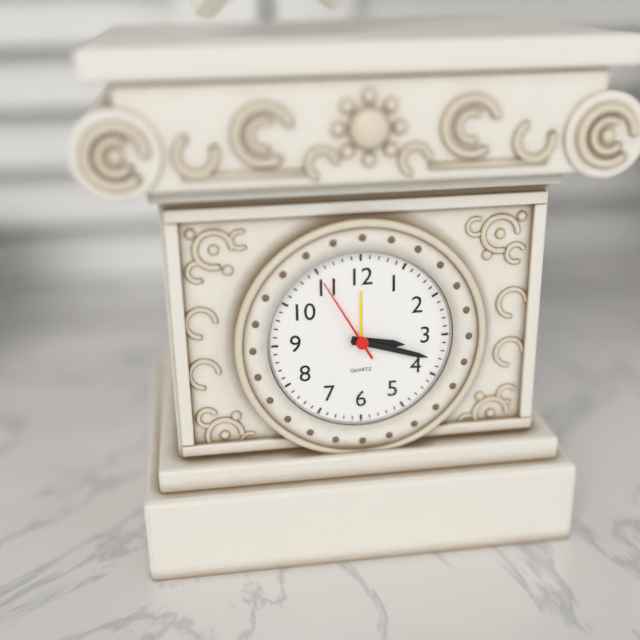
3:18:55
